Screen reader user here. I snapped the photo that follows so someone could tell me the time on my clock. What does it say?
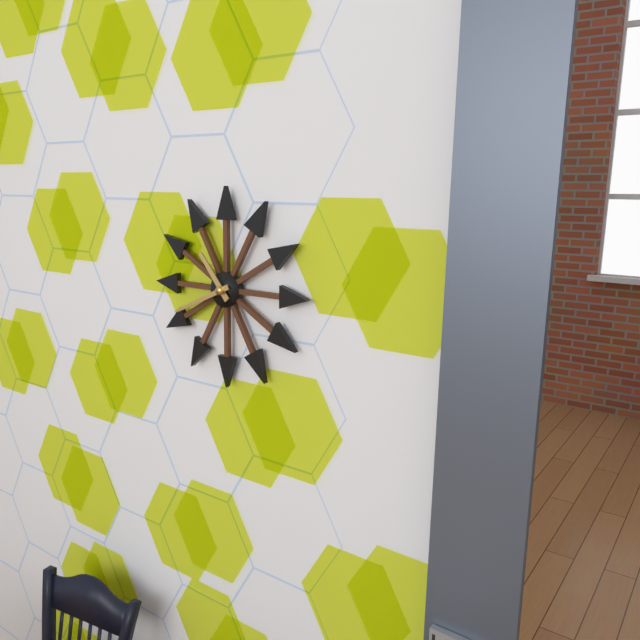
10:41
